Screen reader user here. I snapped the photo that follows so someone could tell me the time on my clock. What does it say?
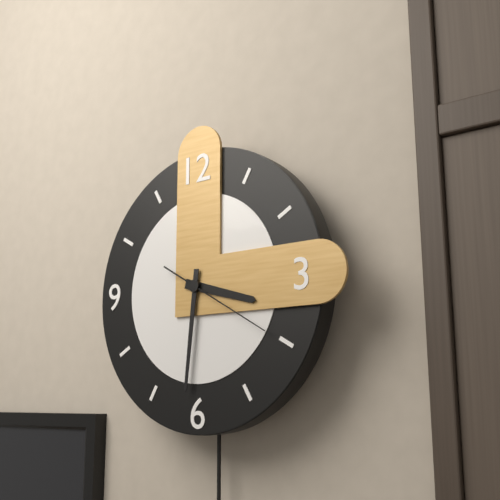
3:31:20
